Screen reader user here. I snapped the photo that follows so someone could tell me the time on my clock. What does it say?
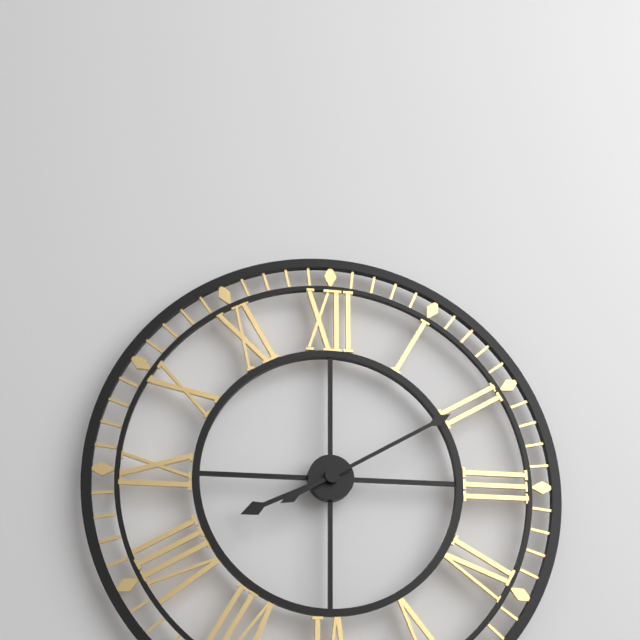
8:10
